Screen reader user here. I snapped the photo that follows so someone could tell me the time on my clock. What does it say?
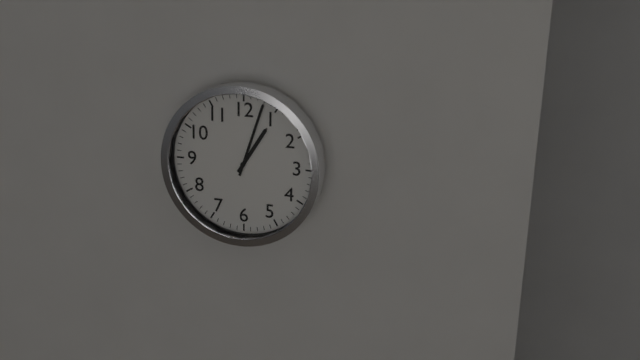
1:03
